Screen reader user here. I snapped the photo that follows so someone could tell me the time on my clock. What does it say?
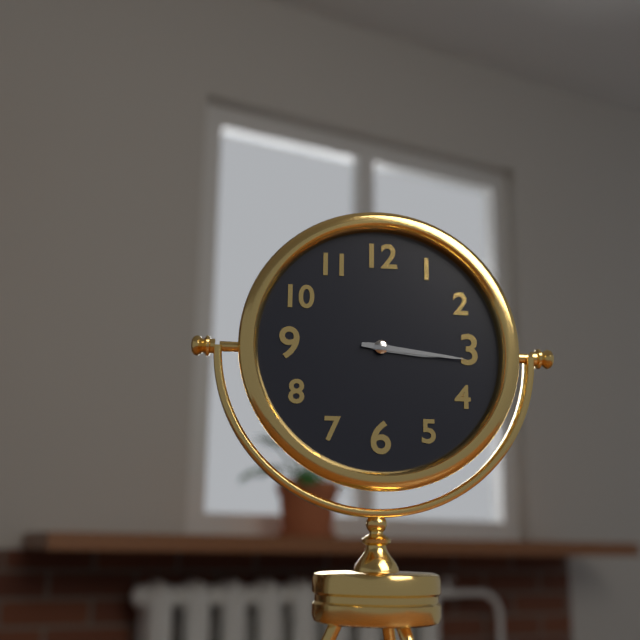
3:16
